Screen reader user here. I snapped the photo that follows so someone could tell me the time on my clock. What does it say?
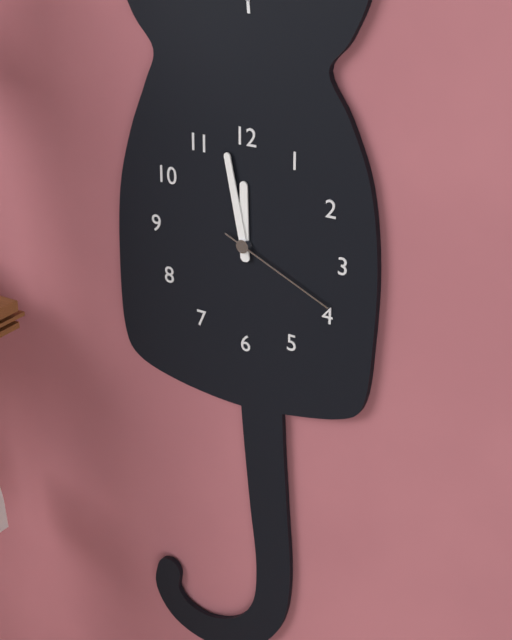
11:58:19
